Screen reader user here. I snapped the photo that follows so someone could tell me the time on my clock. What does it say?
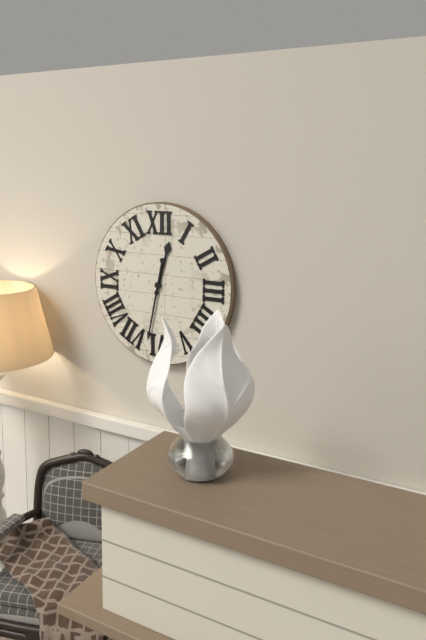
12:32
